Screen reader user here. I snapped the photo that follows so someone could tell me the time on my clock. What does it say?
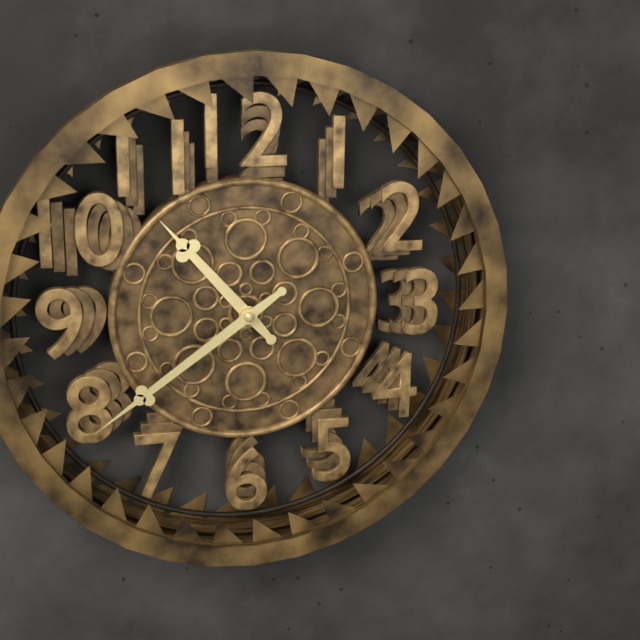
10:39
